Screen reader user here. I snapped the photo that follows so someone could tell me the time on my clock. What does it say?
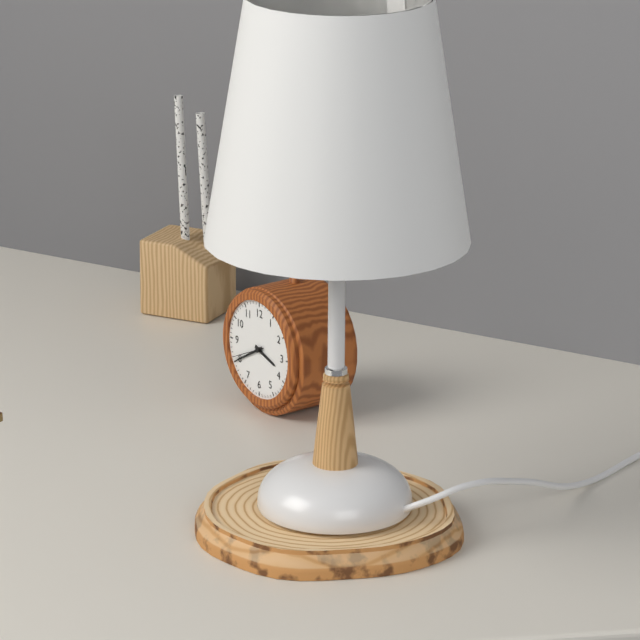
3:40
